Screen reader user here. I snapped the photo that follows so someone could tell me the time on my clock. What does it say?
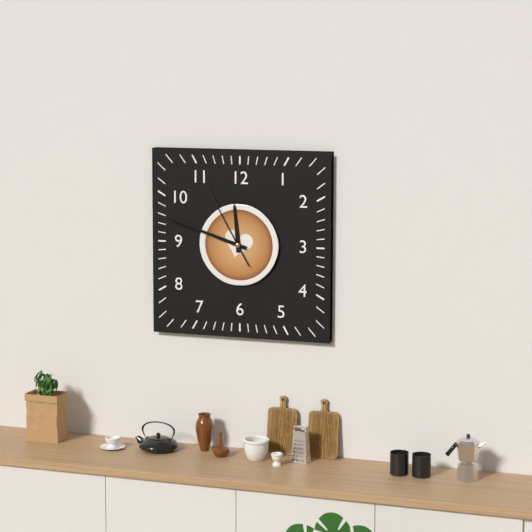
11:48:55
